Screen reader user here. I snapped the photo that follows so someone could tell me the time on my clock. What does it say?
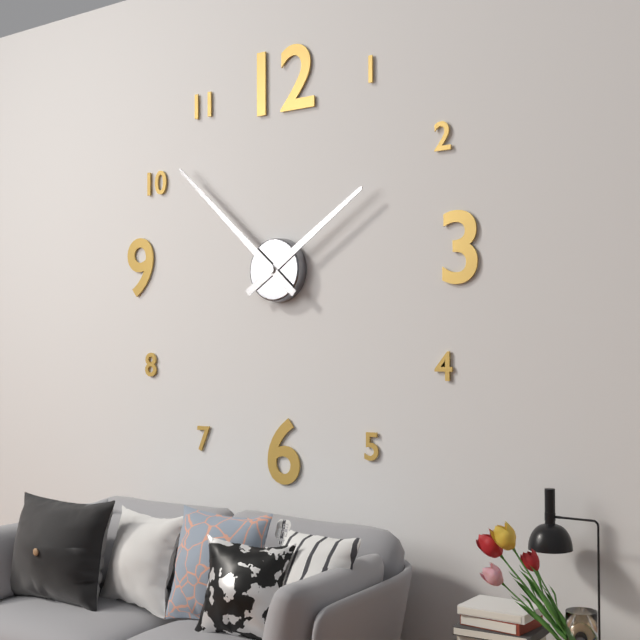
1:52
